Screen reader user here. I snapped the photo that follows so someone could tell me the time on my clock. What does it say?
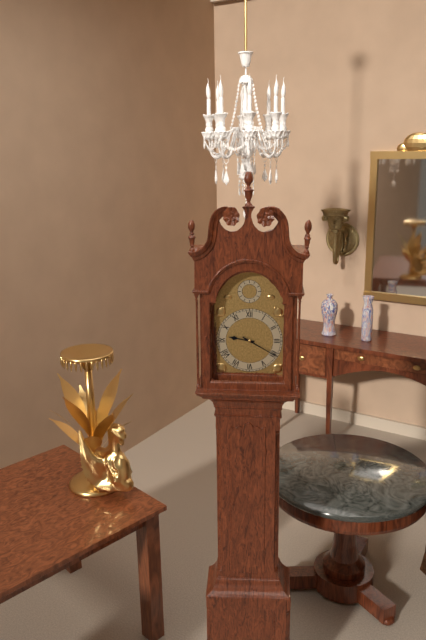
9:20
